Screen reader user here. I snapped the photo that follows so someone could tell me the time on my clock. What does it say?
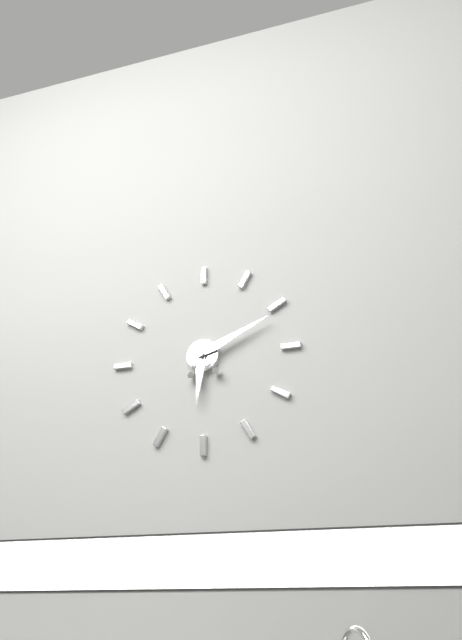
6:11
